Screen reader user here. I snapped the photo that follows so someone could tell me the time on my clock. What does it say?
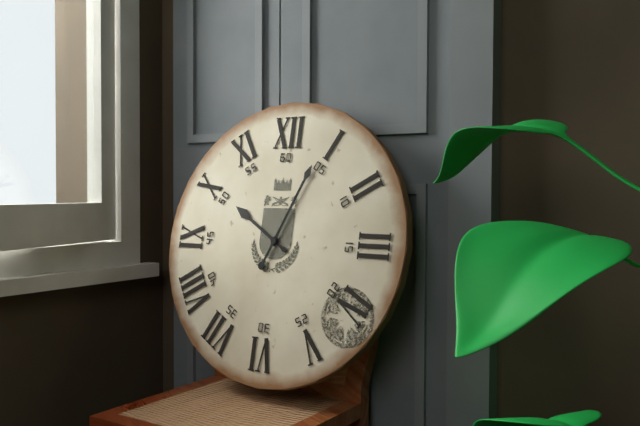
10:04
